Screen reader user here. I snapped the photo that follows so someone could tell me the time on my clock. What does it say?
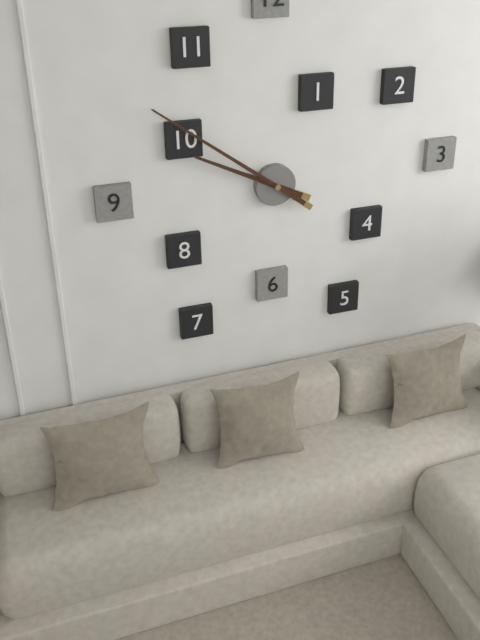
9:51
